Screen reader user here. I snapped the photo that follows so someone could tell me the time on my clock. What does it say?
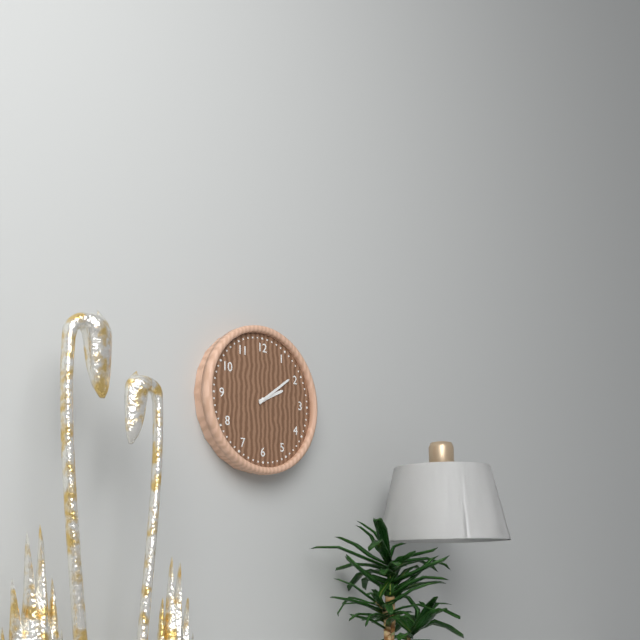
2:09
